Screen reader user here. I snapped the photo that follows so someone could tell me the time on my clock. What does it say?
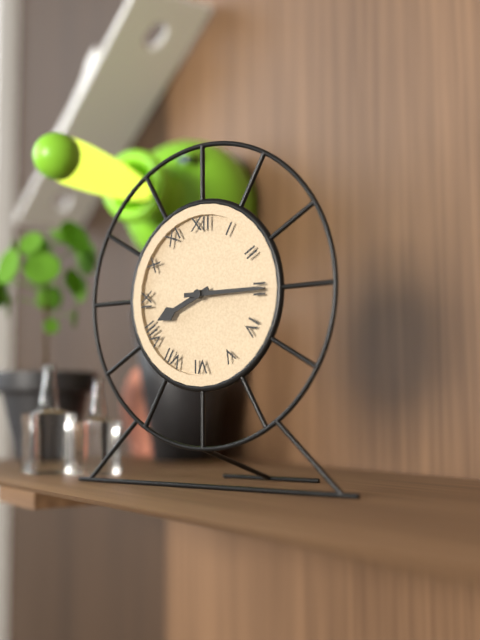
8:15
